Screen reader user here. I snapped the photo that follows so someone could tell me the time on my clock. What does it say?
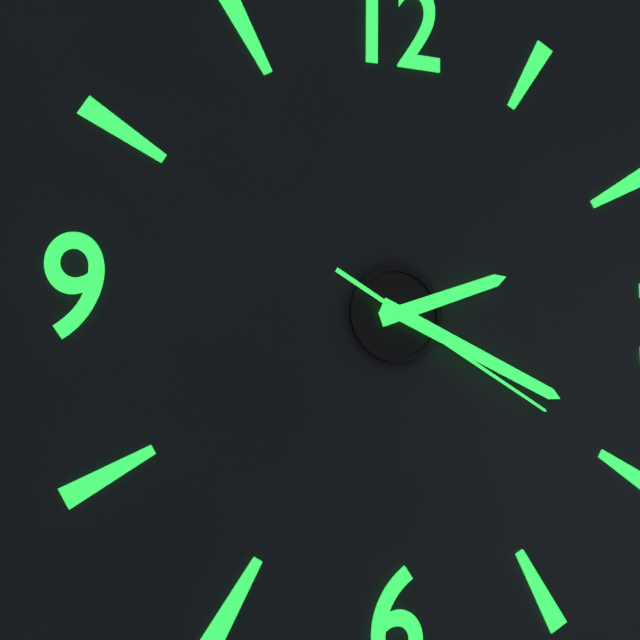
2:19:20
